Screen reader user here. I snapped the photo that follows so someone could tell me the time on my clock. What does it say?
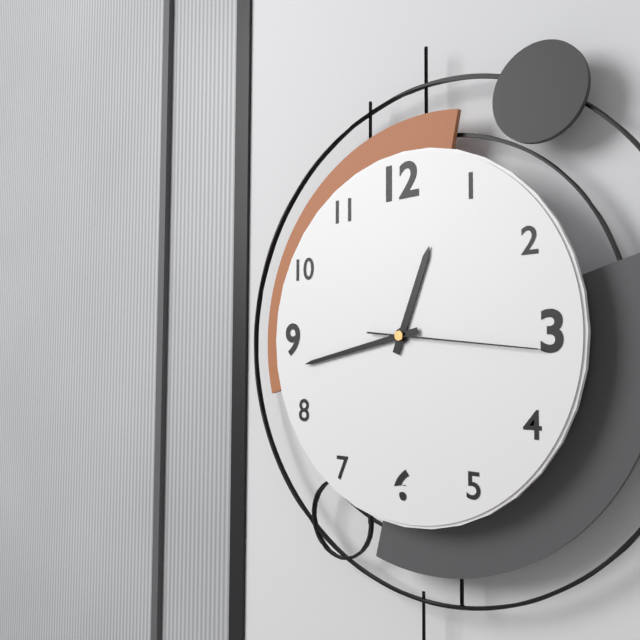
12:43:16
